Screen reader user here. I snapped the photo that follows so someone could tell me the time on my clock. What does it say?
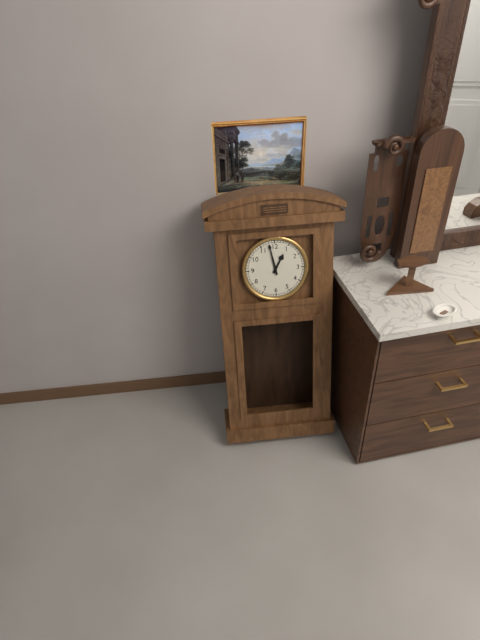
12:58
